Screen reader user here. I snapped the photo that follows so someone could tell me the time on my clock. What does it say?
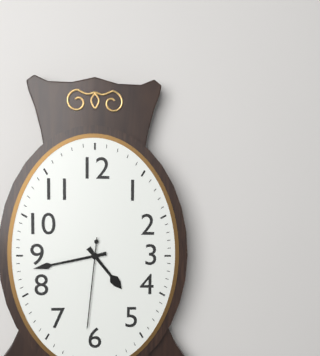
4:43:31
